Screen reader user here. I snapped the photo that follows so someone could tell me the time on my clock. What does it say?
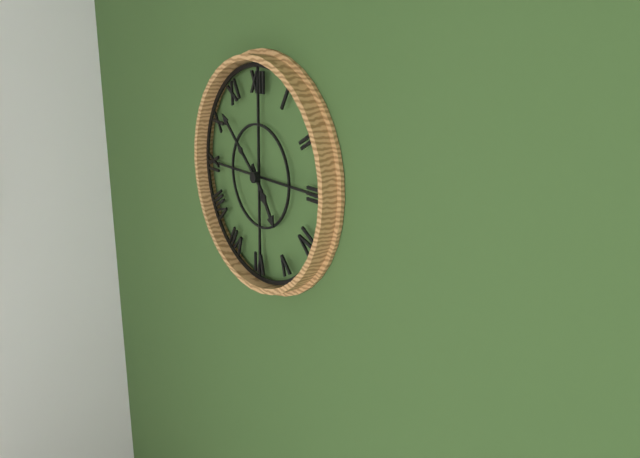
4:52
